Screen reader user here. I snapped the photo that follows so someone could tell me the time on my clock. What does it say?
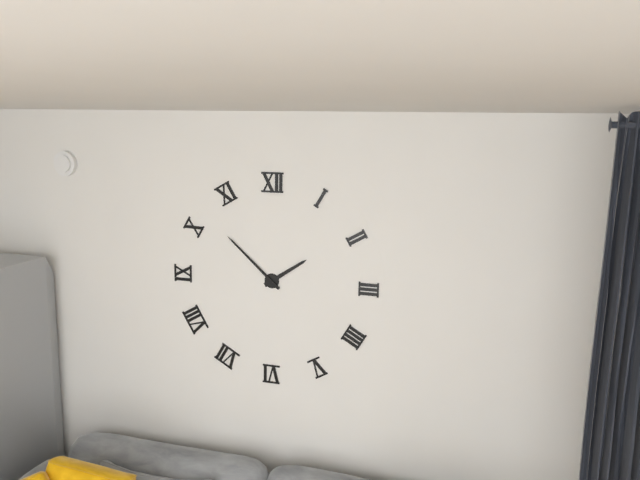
1:52
